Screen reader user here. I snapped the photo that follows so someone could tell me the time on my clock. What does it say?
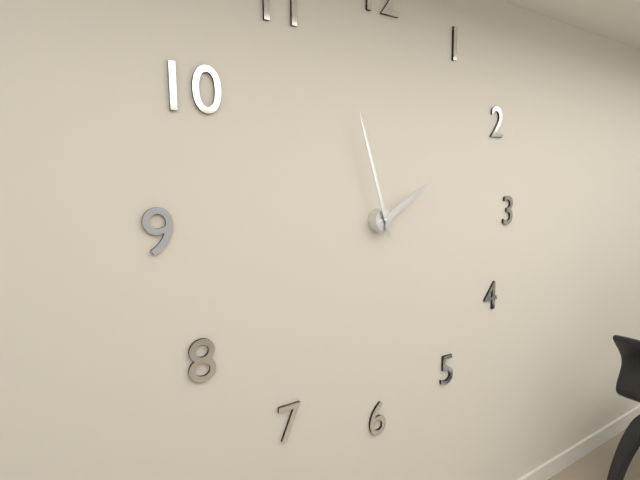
1:57
